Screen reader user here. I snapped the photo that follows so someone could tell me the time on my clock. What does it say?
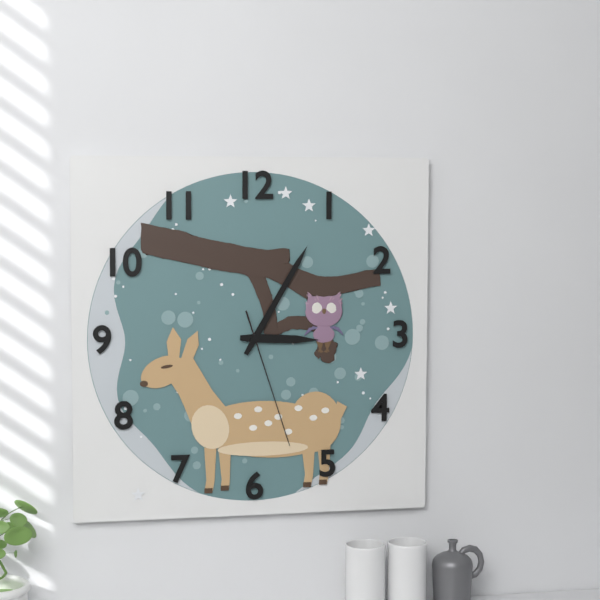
3:05:27
